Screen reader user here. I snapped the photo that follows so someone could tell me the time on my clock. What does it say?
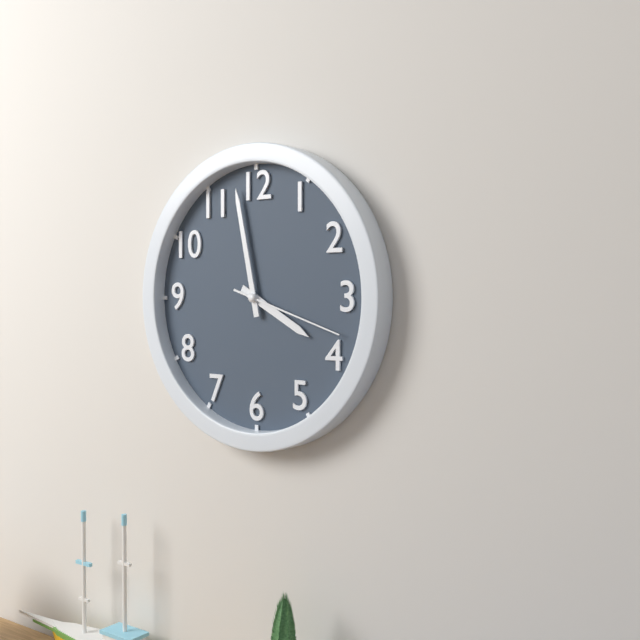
3:58:18
